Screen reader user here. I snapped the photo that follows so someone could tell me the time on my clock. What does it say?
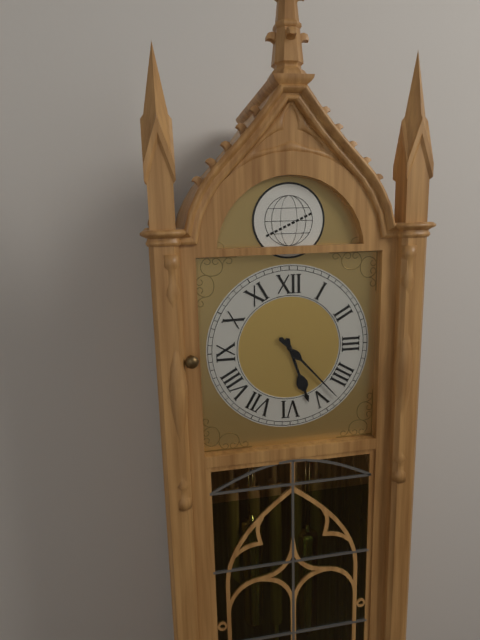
5:23
